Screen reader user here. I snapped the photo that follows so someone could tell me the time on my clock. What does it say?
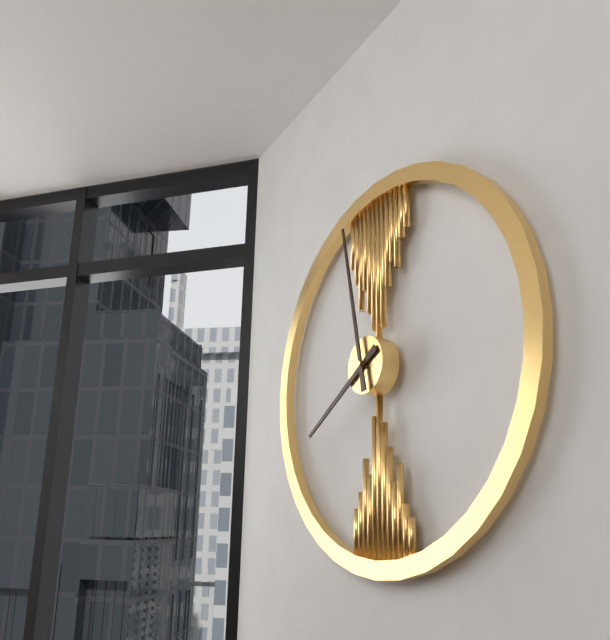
7:58
